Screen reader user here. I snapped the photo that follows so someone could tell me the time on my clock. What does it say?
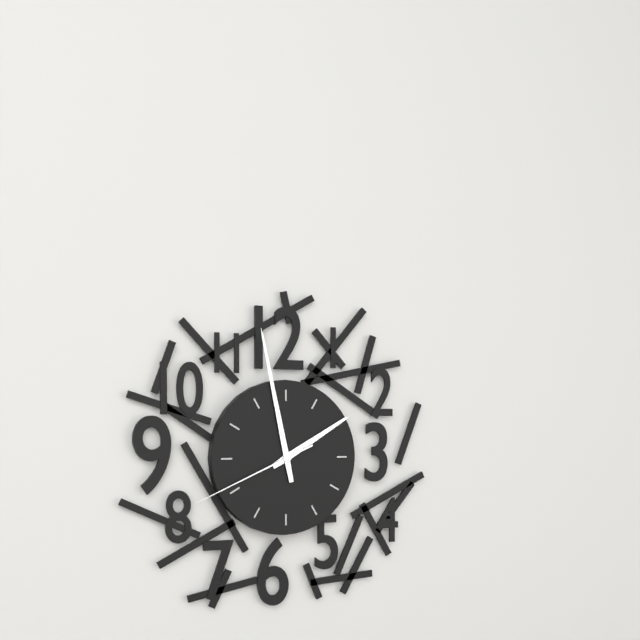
1:58:41
